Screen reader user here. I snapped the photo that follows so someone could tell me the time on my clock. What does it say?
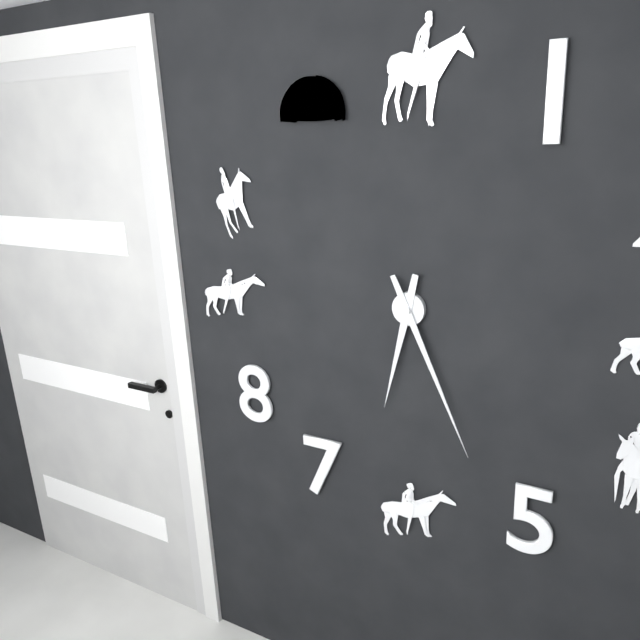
6:26
